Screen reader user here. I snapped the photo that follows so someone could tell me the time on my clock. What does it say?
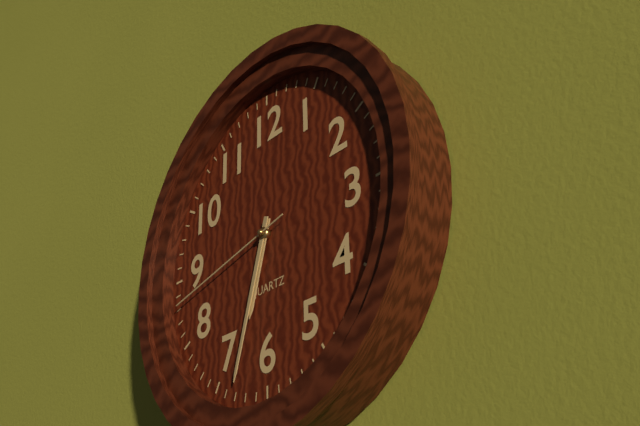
6:33:43
